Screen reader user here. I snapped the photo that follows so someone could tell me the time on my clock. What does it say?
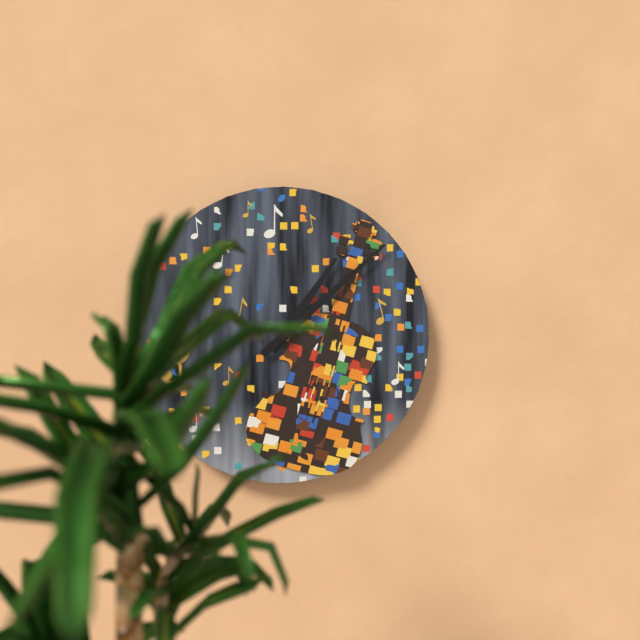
1:08
